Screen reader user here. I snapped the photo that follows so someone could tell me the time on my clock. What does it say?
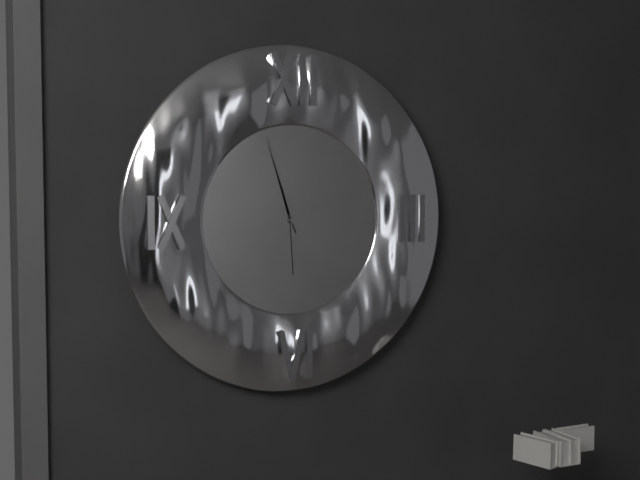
5:57
